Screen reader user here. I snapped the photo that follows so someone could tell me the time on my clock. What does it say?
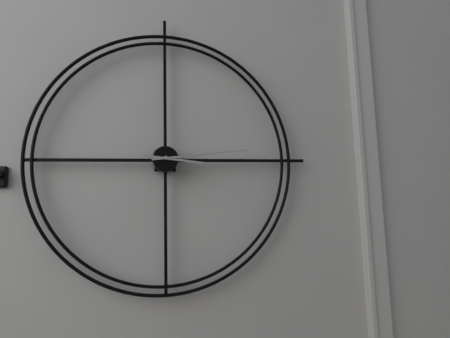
3:14
